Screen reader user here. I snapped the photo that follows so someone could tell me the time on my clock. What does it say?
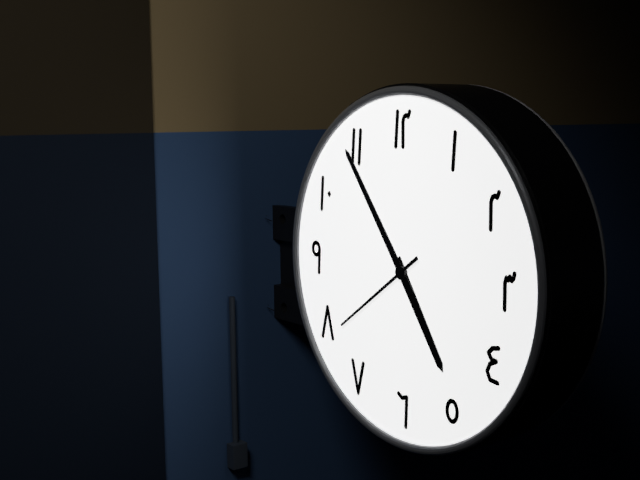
4:54:39
